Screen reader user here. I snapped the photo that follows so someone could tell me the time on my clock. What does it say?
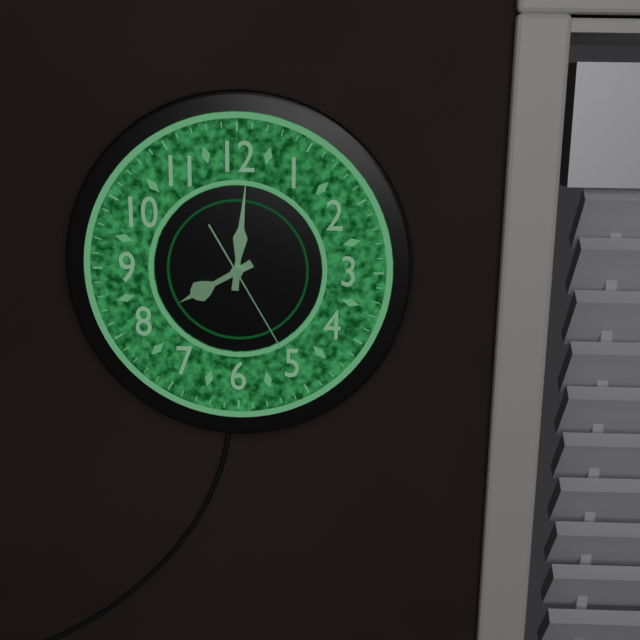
8:01:25
